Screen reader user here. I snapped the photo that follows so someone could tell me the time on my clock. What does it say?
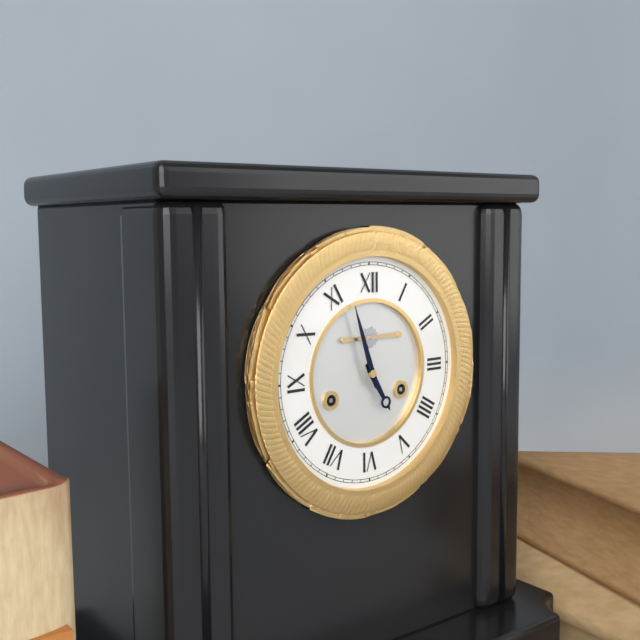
4:57
